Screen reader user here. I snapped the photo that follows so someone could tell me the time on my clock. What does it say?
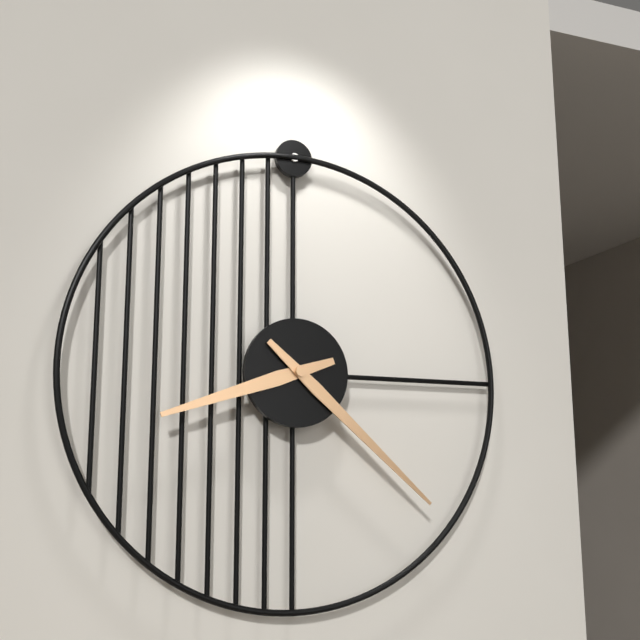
8:22
